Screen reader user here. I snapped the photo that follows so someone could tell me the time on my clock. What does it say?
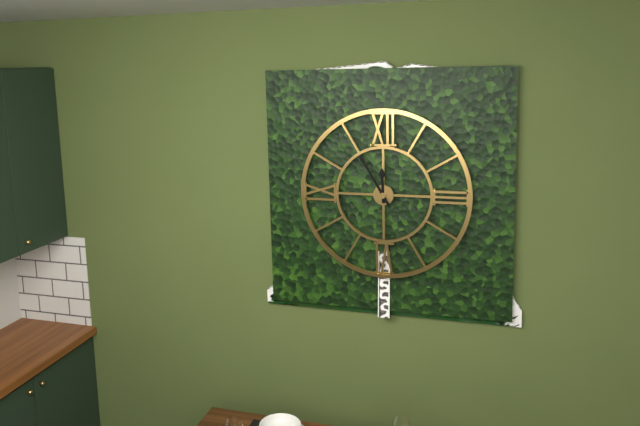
11:55
